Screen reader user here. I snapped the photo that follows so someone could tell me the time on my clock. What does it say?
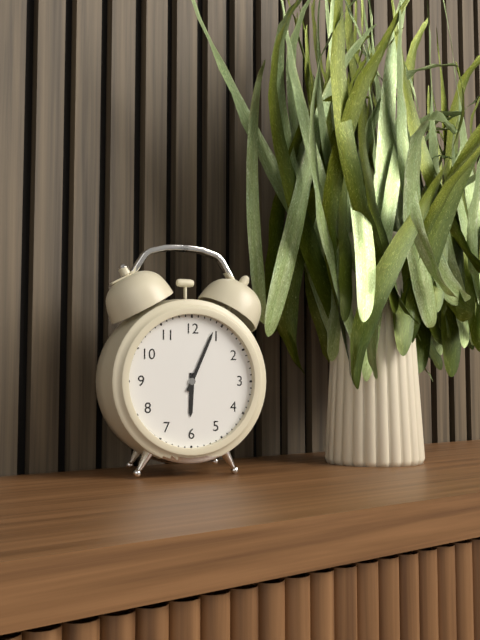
6:04
